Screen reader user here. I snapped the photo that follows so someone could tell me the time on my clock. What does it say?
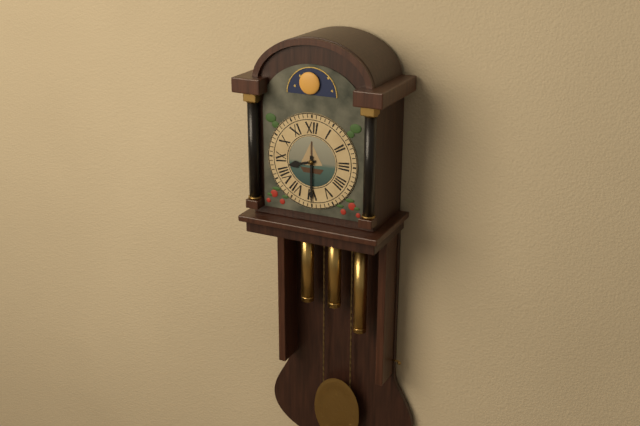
8:30
